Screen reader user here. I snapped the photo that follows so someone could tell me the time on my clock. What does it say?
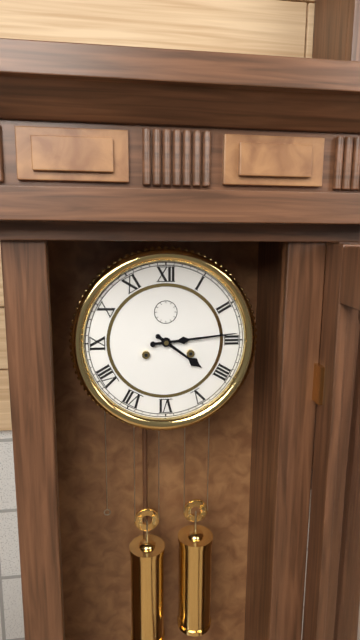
4:14
